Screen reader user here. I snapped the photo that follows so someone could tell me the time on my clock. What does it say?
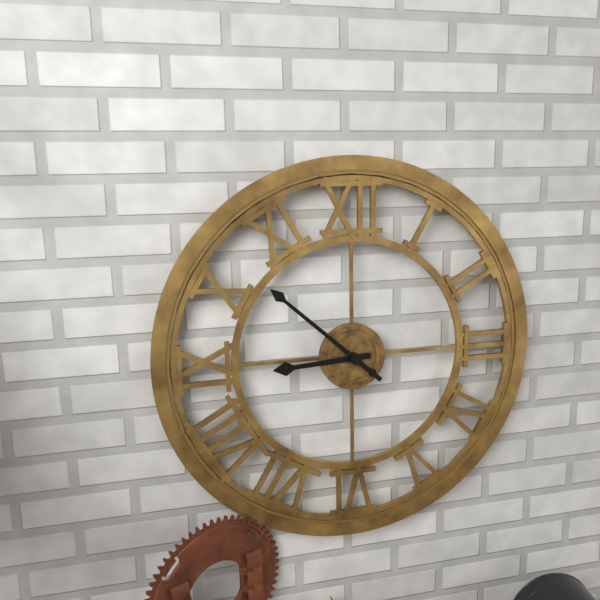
8:52
